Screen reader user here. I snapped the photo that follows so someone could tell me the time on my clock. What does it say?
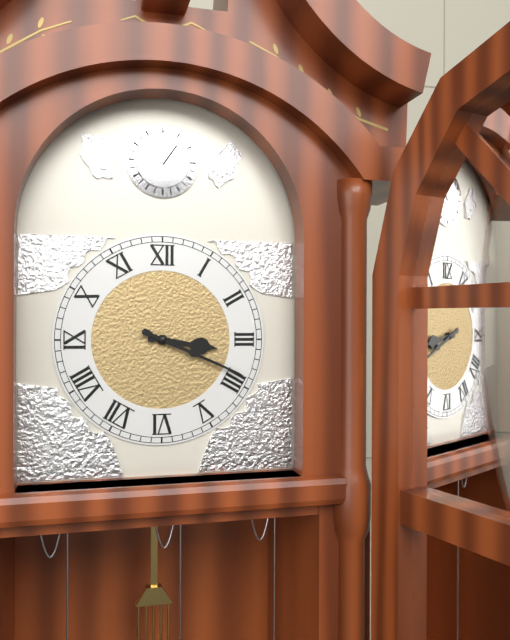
3:19
